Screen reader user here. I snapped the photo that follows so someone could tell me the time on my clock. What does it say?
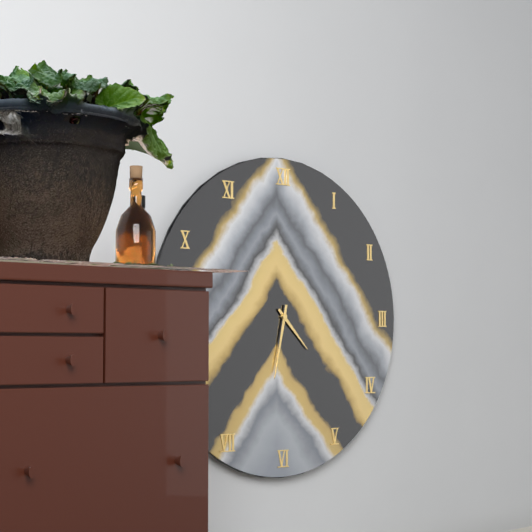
4:32
